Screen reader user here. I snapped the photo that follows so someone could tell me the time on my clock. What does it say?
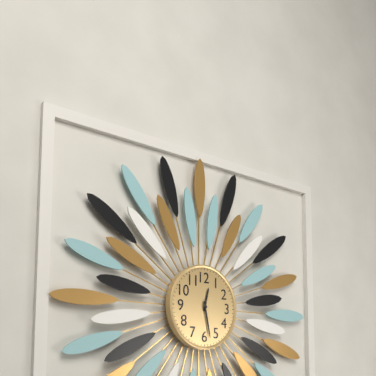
12:28
